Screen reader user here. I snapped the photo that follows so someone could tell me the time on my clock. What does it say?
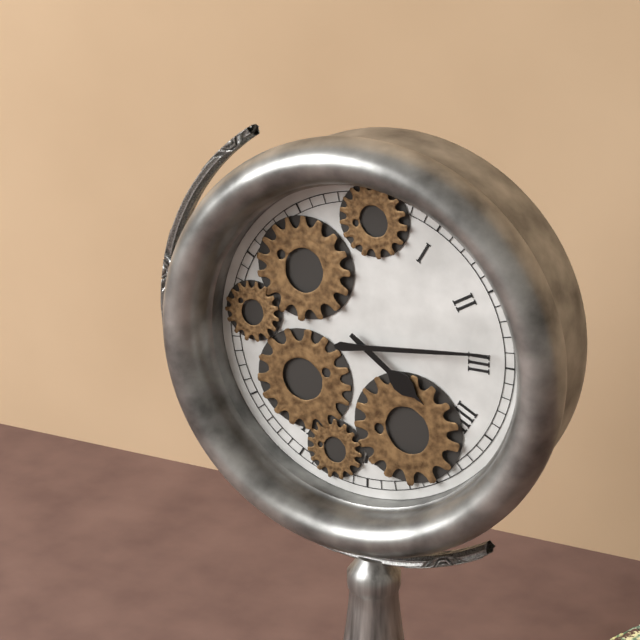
4:14
